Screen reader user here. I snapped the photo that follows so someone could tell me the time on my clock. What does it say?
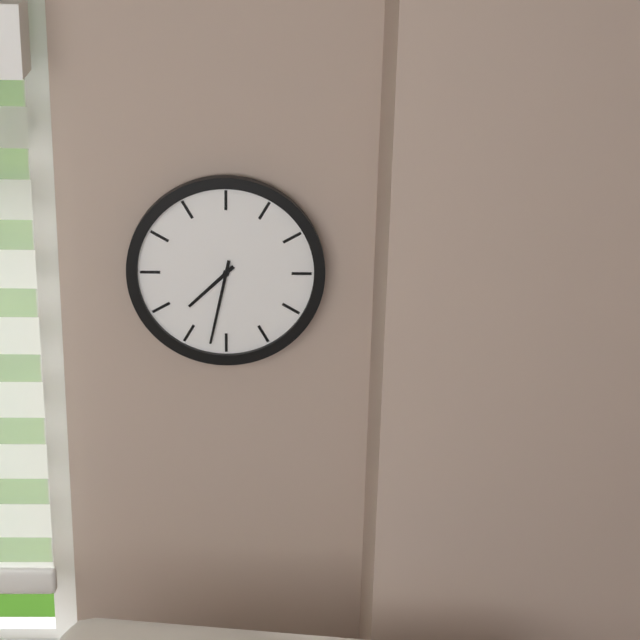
7:32
